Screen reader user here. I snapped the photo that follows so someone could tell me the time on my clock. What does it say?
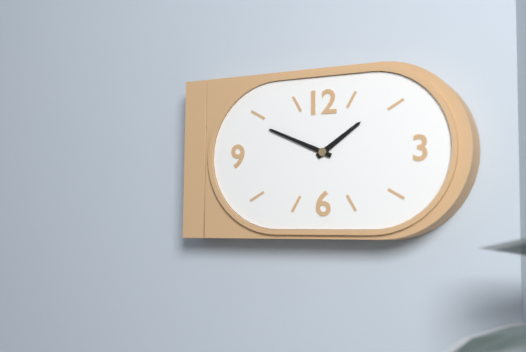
1:49
